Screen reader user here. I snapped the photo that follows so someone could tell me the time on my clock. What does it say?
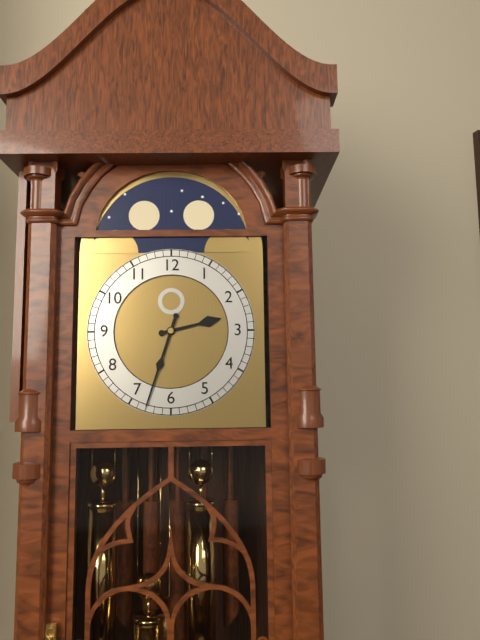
2:33
